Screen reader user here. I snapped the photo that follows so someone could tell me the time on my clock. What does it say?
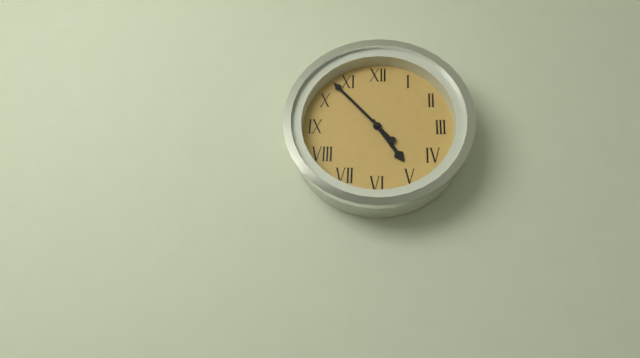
4:53
